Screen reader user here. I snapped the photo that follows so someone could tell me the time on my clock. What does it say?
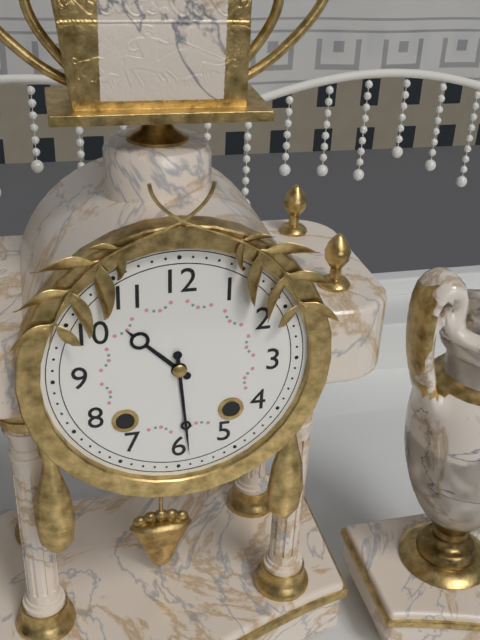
10:29
